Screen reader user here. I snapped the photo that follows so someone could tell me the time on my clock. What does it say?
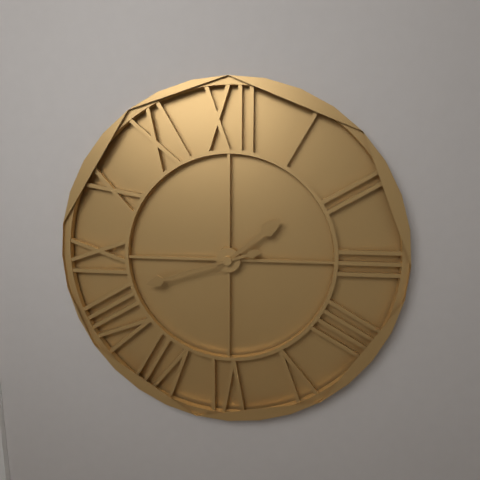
1:42
